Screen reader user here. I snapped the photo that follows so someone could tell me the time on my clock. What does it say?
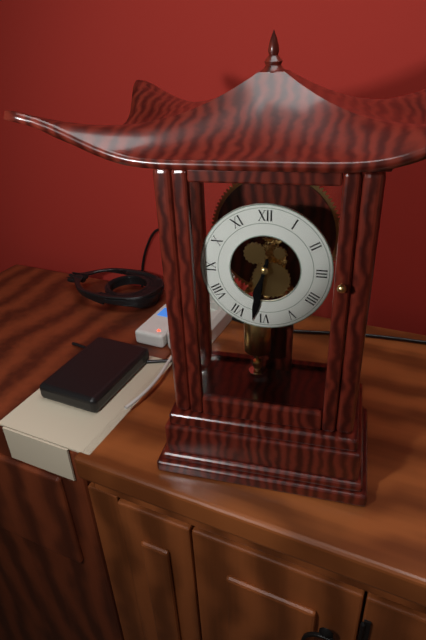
6:32
